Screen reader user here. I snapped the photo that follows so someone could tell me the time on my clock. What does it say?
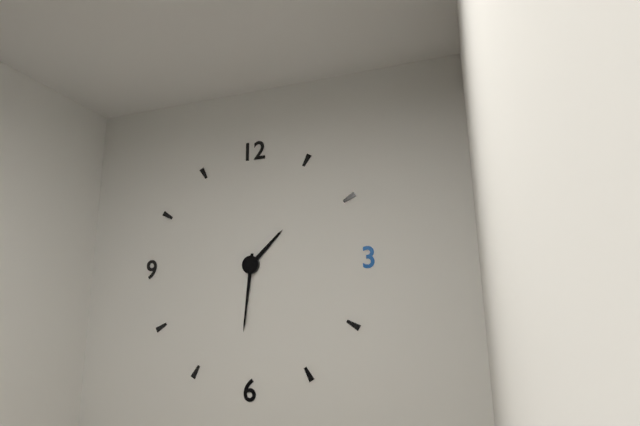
1:31
